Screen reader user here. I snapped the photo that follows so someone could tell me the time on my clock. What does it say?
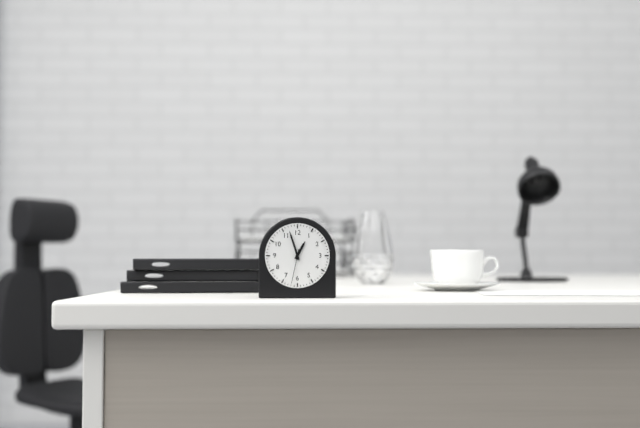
12:57
